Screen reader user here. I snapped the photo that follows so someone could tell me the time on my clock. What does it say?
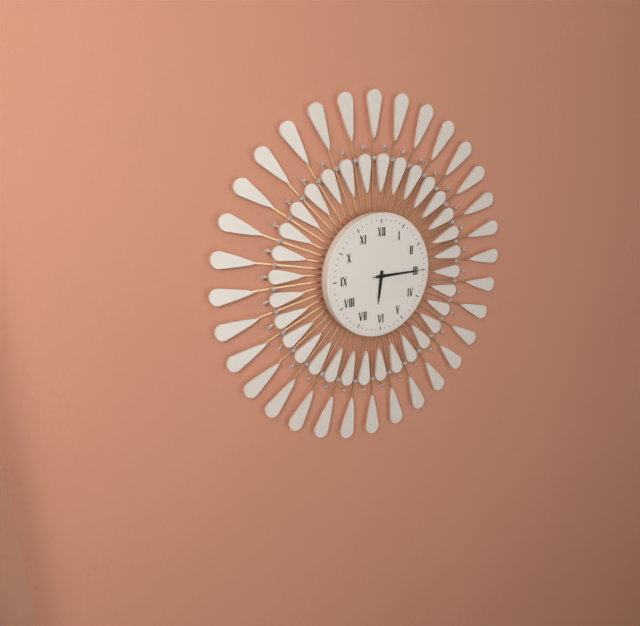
6:15:15
